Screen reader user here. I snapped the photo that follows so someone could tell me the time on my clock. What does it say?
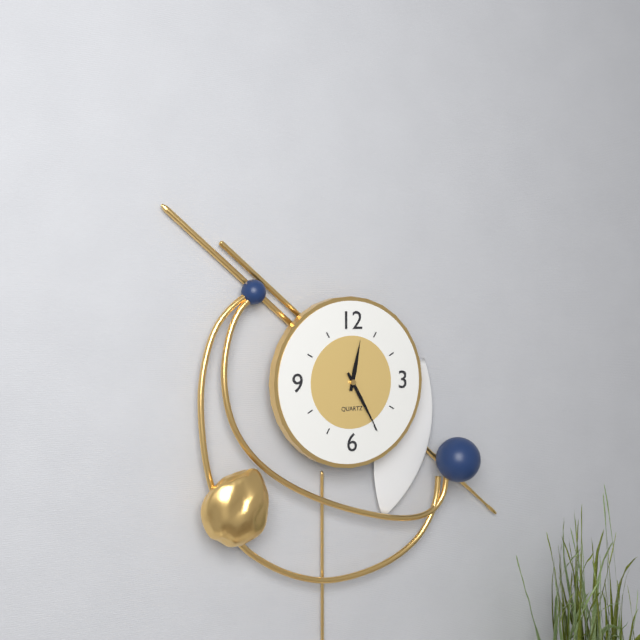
12:25
